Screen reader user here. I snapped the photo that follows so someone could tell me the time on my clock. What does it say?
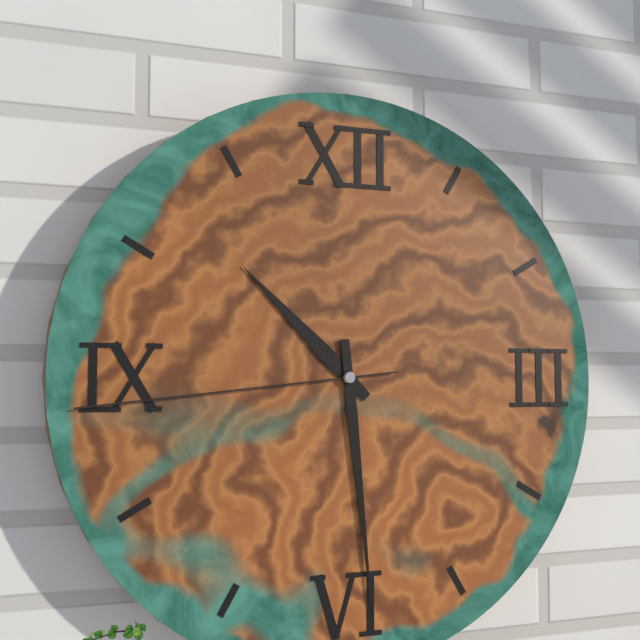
10:29:44
